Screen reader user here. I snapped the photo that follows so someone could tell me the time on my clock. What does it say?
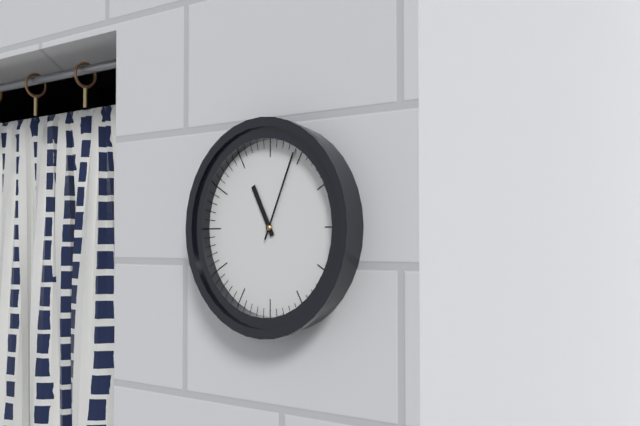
11:04
